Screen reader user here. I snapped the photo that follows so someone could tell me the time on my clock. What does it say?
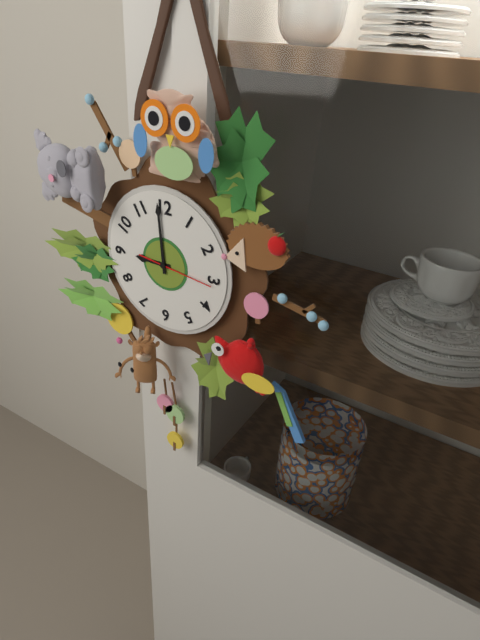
8:59:16
